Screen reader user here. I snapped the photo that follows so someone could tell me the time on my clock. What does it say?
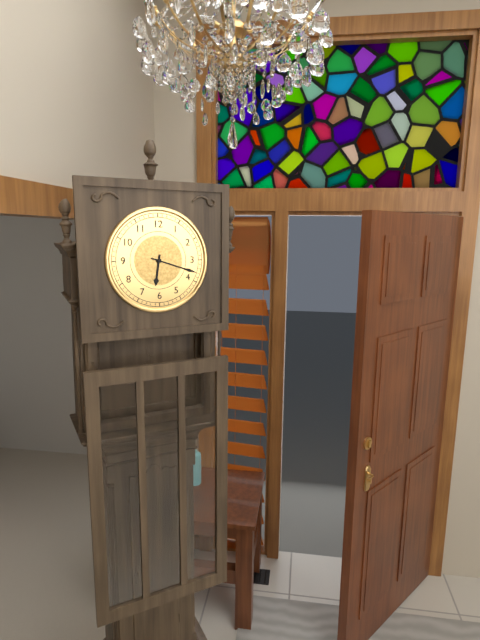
6:18
